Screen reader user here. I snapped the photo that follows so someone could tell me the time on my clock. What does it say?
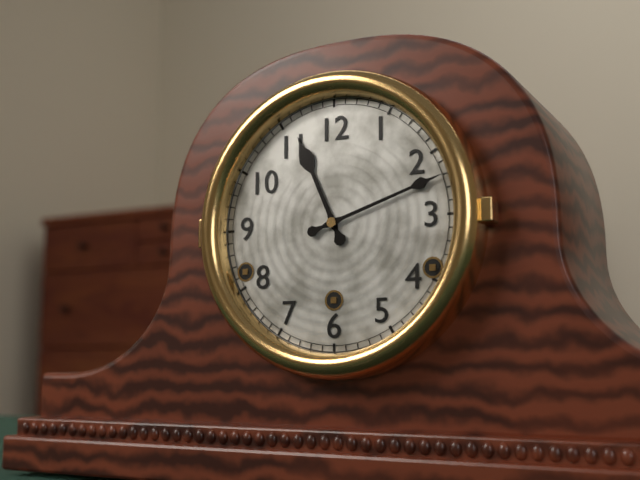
11:12
